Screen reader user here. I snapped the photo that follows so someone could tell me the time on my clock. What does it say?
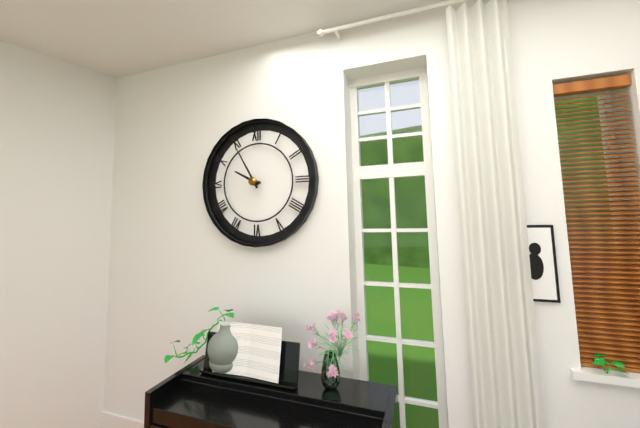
9:55
